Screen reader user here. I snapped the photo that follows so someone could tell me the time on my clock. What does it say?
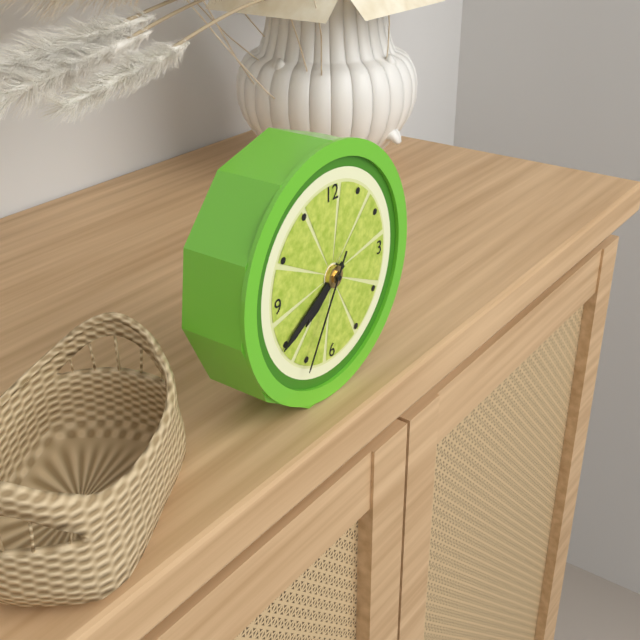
7:40:35
